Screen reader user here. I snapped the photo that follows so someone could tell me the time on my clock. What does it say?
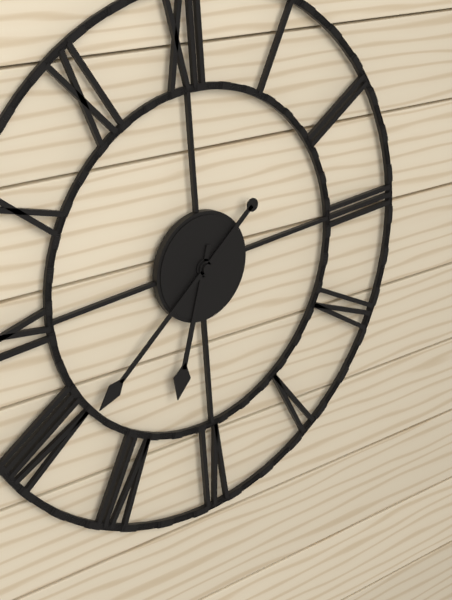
6:39
